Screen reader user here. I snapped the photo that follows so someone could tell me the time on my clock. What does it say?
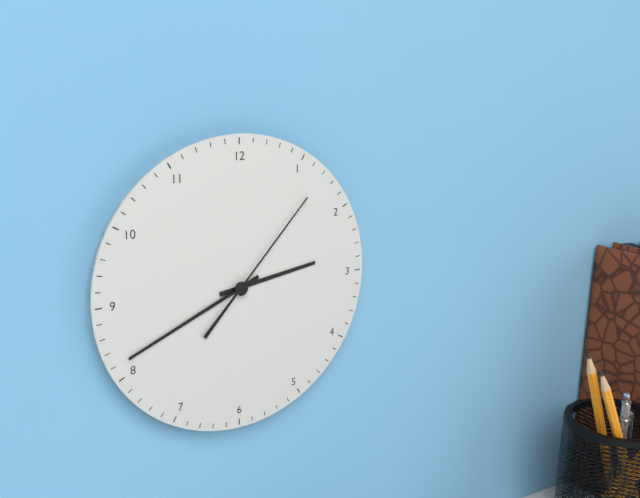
2:41:07
